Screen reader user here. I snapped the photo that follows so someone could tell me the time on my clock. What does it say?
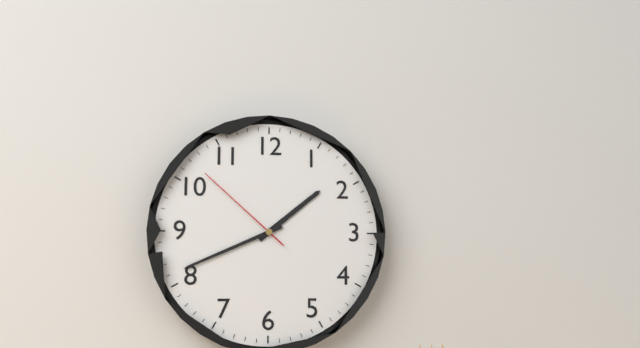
1:41:52
